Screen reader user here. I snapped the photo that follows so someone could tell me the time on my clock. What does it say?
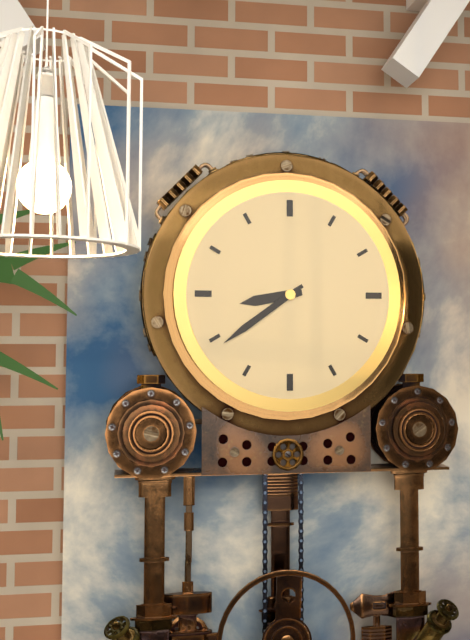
8:39
